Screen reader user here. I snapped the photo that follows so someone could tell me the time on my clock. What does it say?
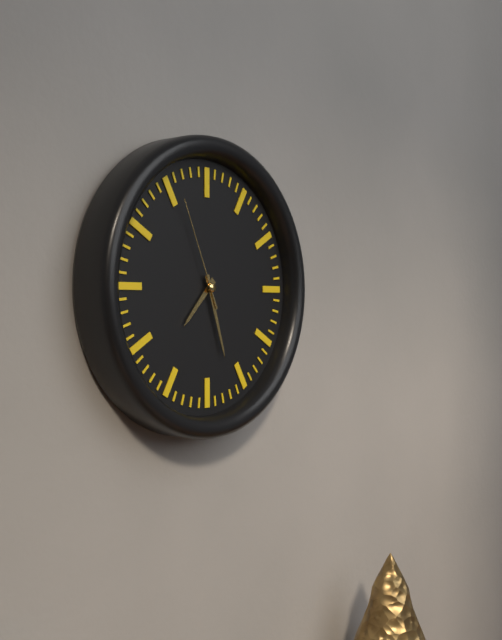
7:27:56
